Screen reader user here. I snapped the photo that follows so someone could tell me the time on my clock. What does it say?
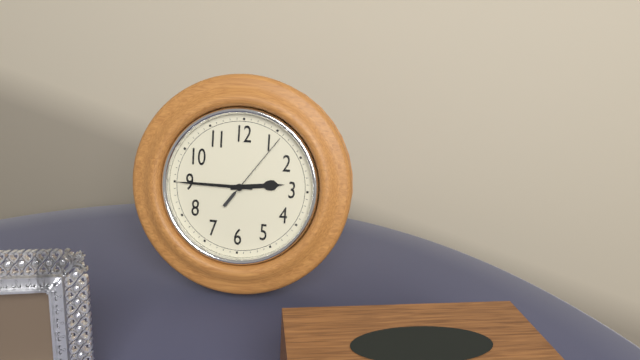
2:45:06
